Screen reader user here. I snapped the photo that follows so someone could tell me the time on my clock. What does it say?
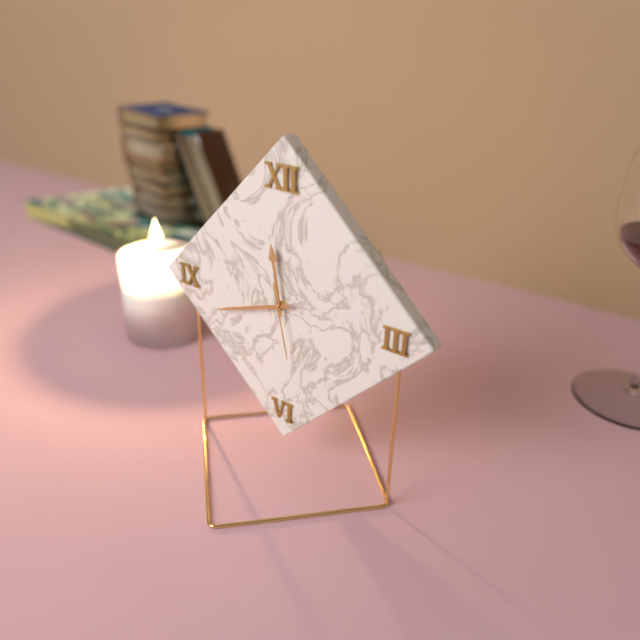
11:42:28
